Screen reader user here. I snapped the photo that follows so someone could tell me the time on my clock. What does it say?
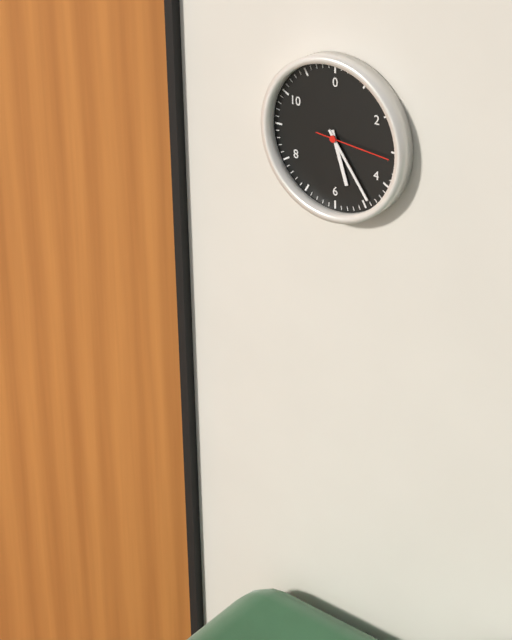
5:24:16
